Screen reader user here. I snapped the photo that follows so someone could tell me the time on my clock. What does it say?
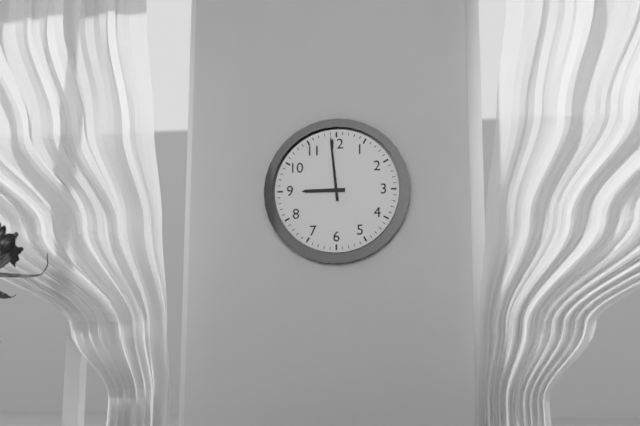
8:59
